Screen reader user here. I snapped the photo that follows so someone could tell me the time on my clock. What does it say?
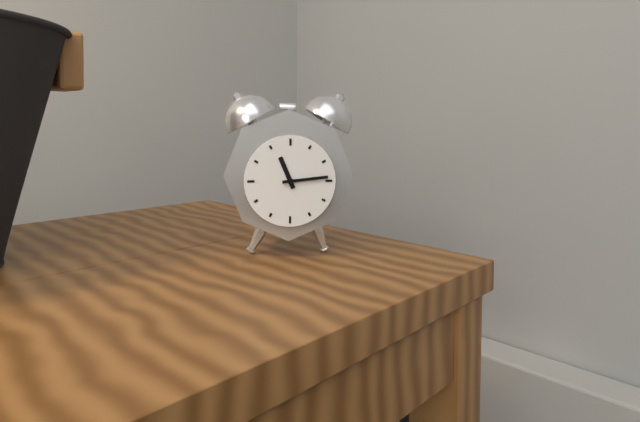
11:14
